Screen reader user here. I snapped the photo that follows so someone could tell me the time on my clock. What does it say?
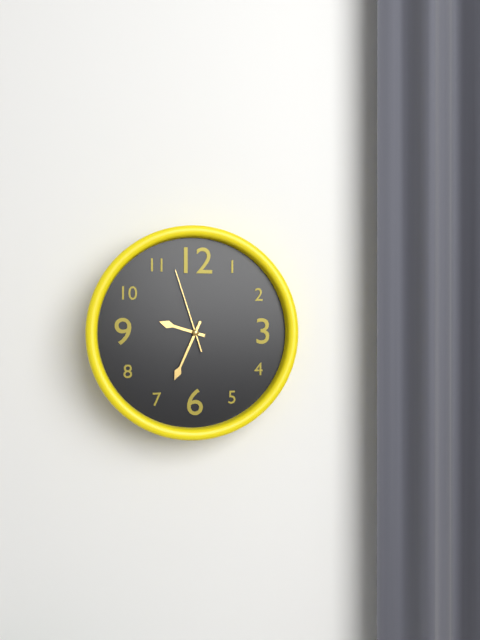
9:34:57
